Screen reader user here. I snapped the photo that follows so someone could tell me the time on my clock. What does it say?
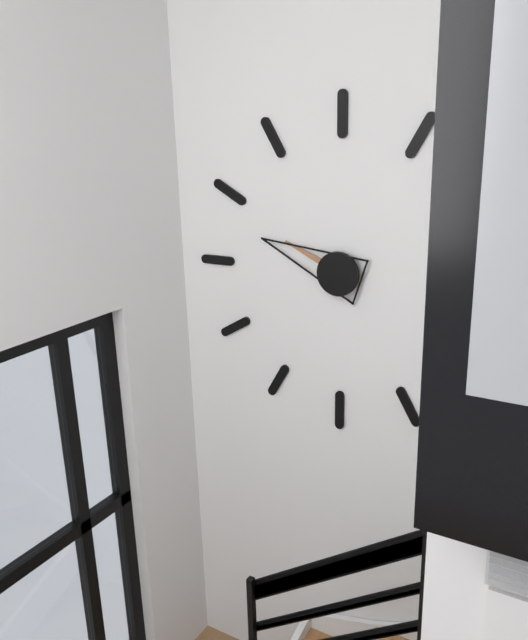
9:48
